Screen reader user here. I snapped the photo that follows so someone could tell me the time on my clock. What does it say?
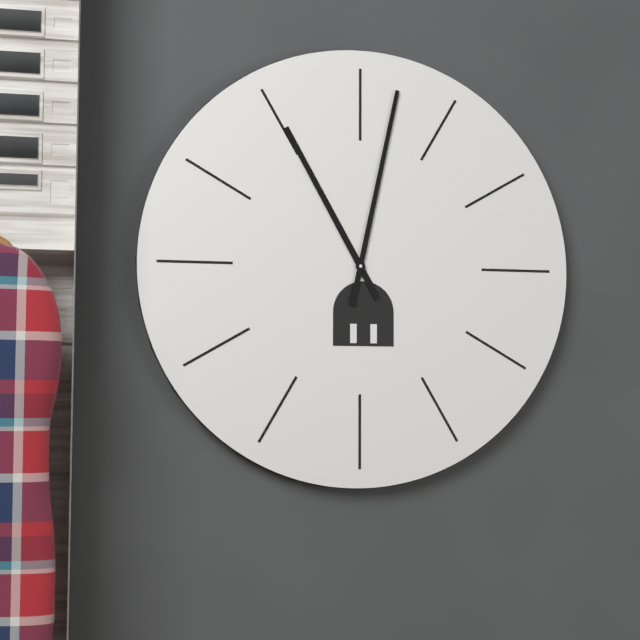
11:02
